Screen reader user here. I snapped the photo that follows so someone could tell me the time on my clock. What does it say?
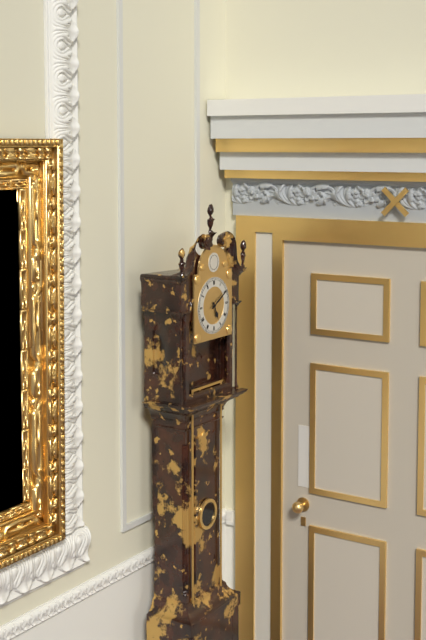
5:10
